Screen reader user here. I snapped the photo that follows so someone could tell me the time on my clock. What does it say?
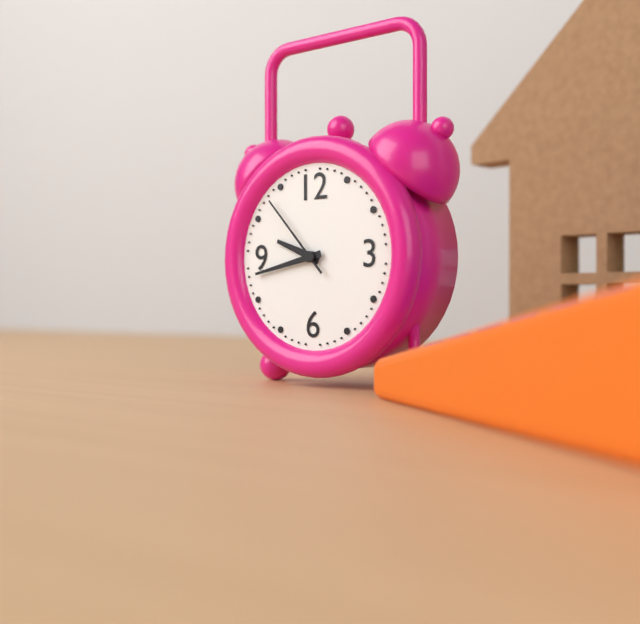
9:43:53
